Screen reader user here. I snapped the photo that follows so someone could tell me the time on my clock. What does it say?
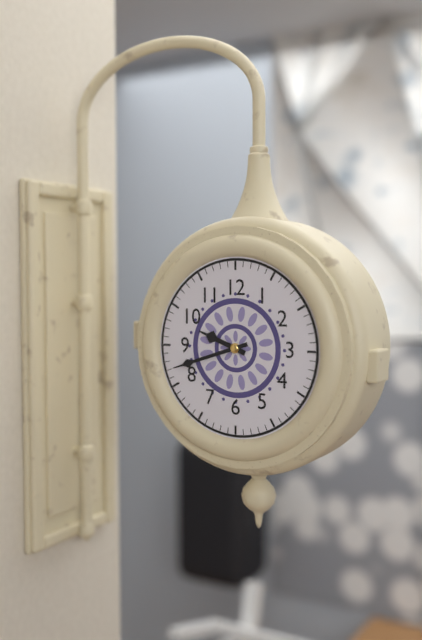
9:42
